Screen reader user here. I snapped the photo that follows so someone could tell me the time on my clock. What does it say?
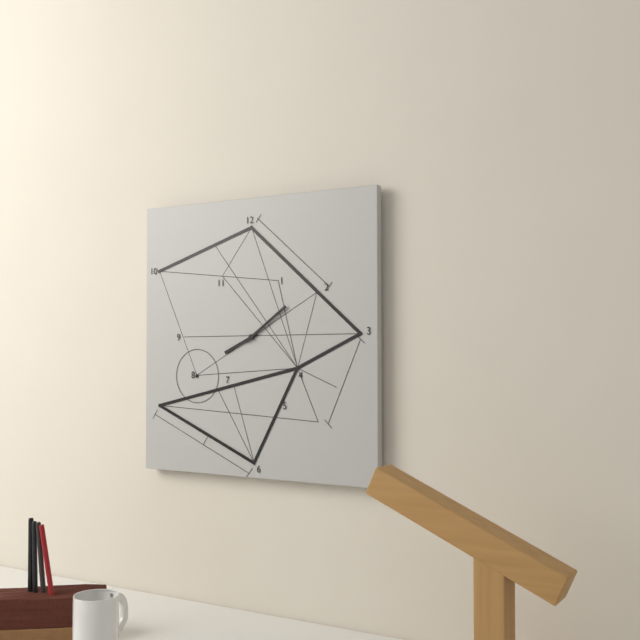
8:09
